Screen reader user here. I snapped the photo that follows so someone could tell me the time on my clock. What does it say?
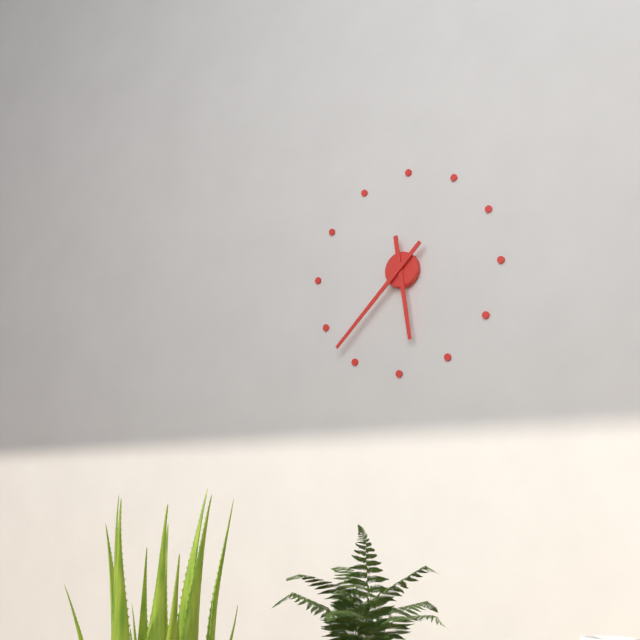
5:37
